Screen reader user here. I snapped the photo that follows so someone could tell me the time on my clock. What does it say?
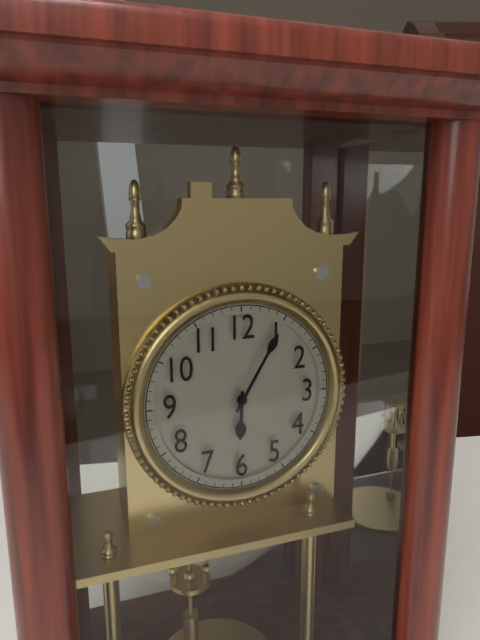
6:05
